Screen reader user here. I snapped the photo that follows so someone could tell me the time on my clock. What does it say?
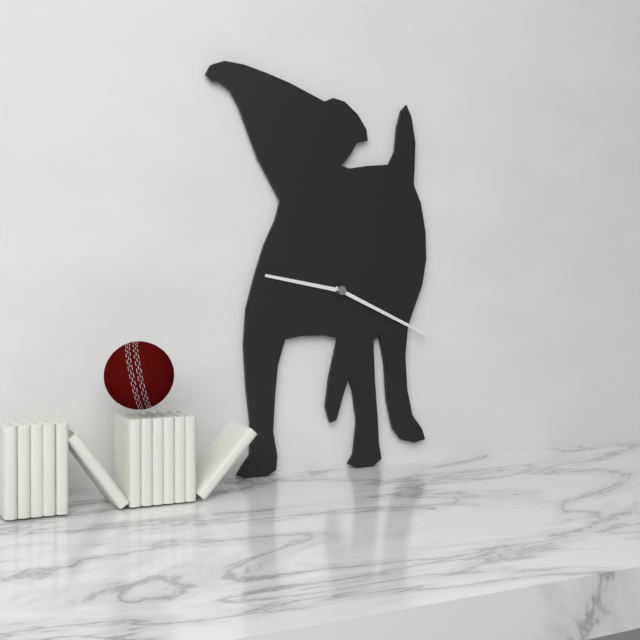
9:19
